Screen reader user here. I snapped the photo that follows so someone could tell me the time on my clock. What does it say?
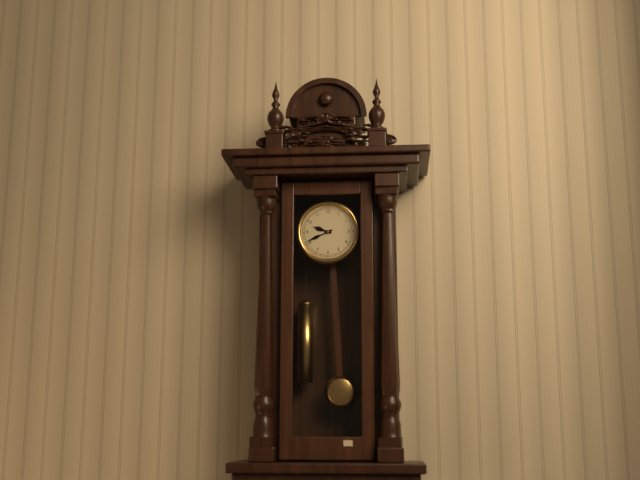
9:41
